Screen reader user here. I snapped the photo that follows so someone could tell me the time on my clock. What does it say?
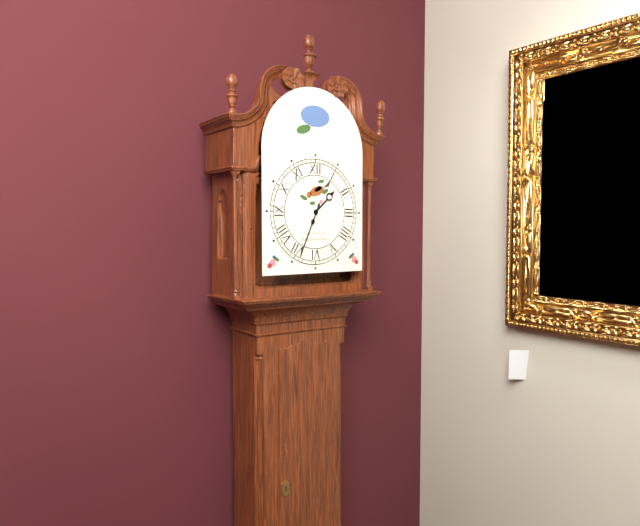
1:34
